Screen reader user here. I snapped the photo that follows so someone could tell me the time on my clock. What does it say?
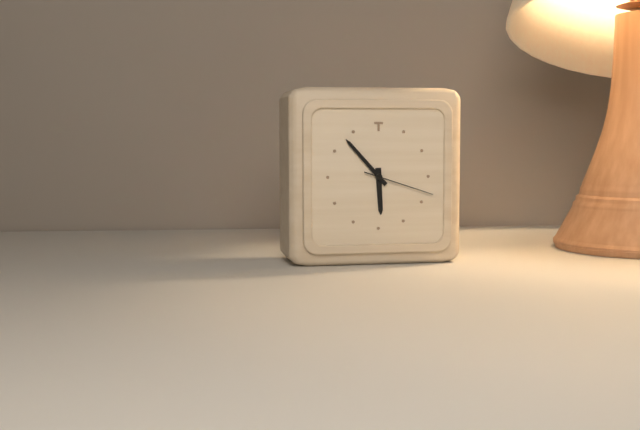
5:53:18
